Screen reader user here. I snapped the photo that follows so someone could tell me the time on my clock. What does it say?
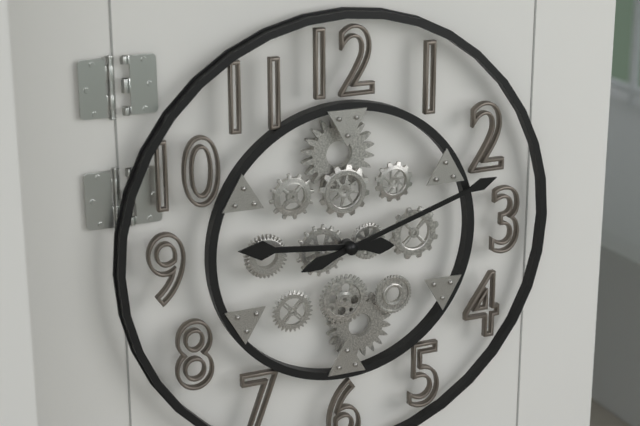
9:12
